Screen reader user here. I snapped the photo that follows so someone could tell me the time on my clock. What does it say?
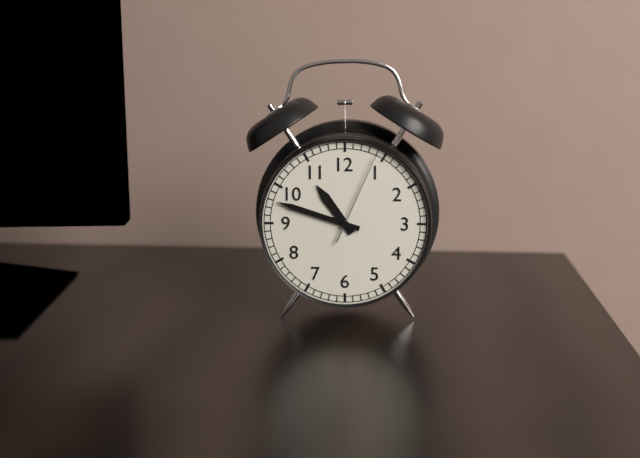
10:48:04
